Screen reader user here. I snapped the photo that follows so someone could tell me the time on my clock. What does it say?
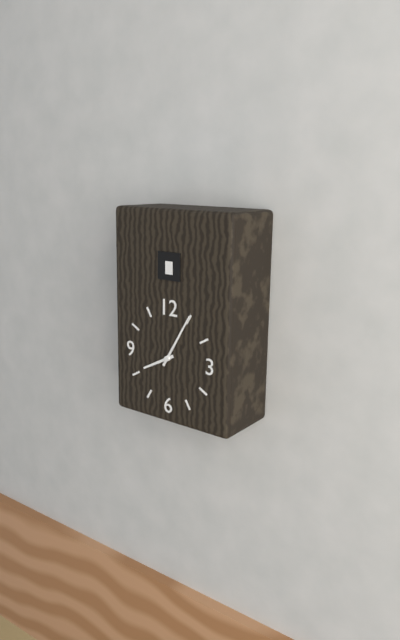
8:05
